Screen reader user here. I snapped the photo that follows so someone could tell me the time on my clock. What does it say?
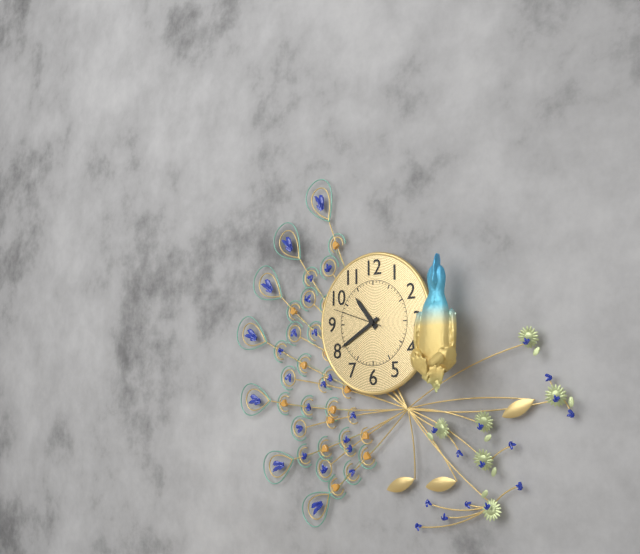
10:40
